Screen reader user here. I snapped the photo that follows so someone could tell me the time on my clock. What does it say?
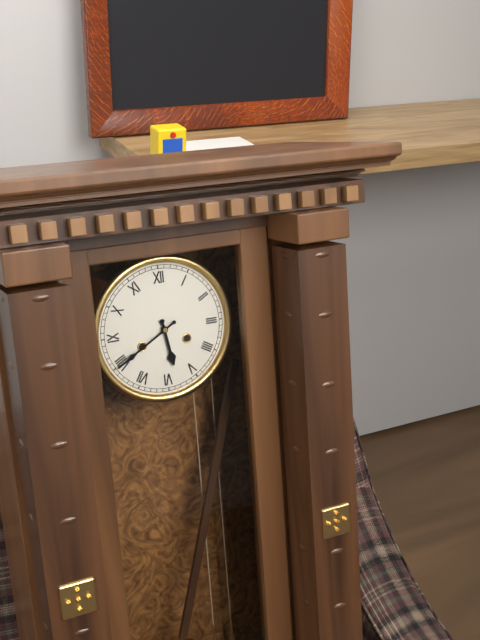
5:40
